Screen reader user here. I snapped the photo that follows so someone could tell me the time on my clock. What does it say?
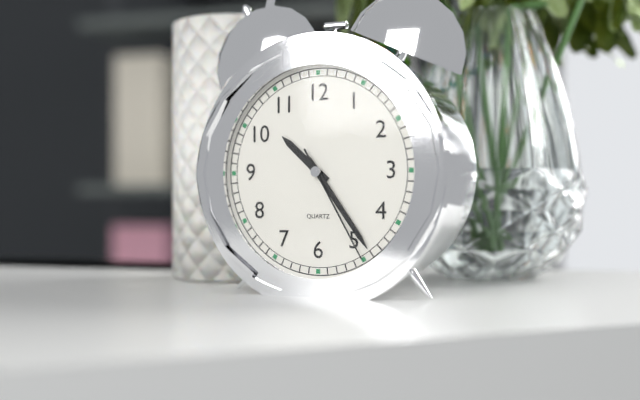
10:24:25
